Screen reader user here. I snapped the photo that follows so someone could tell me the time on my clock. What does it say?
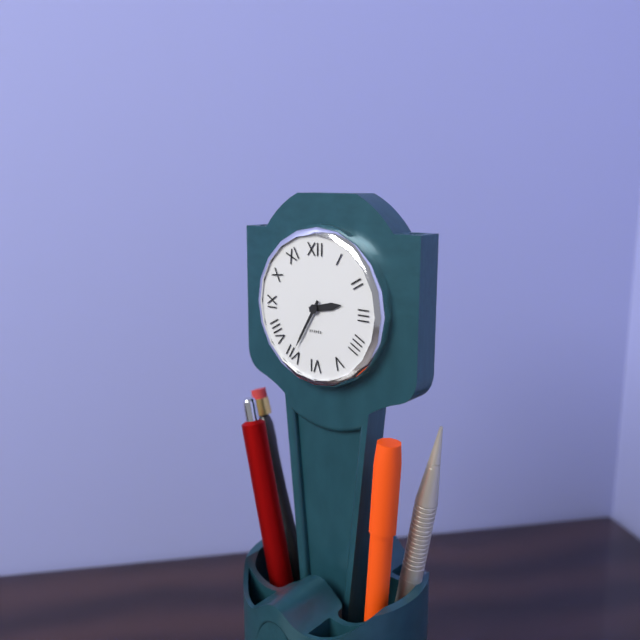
2:35
